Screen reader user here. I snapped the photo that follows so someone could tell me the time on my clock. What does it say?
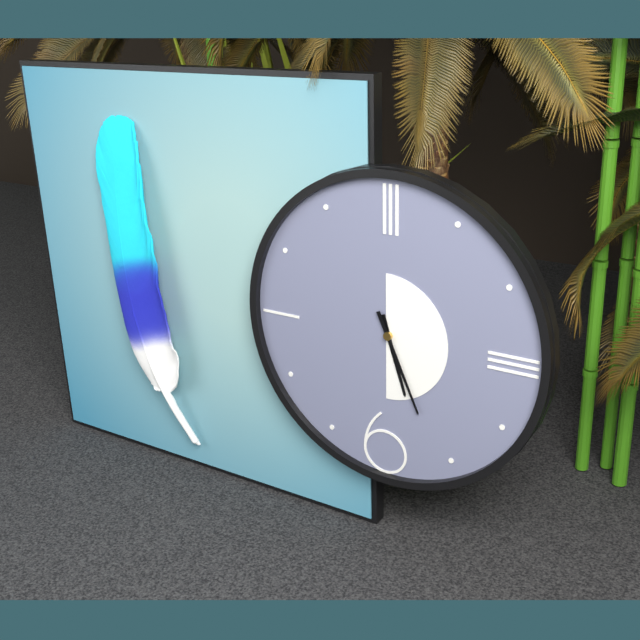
5:26
